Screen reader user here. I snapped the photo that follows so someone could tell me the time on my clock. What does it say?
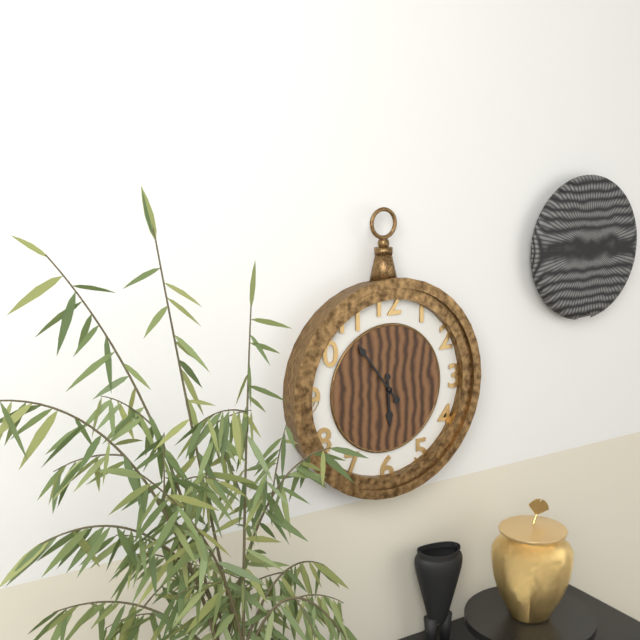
5:54
